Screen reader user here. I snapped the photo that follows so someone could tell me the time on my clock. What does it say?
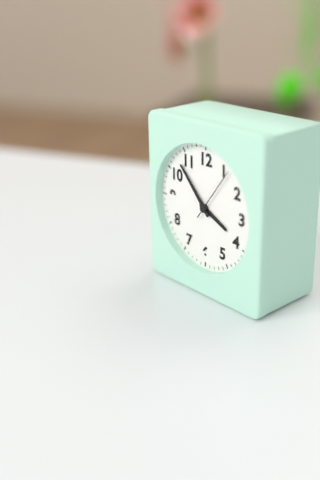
3:53:06
